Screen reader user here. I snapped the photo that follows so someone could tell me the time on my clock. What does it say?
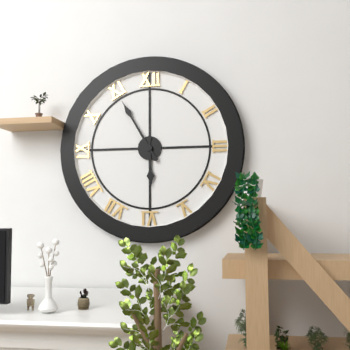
5:55
